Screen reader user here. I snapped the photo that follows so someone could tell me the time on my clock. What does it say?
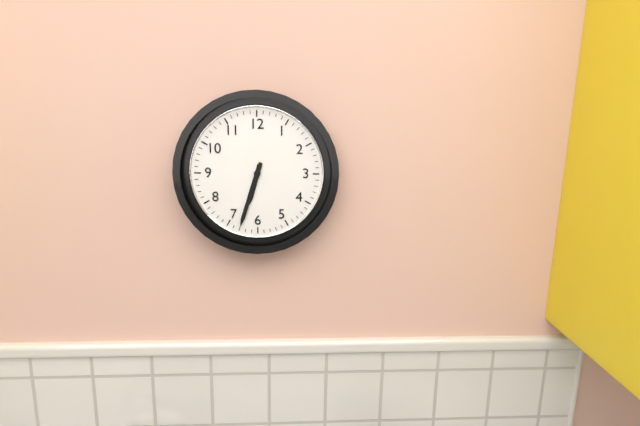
6:33
